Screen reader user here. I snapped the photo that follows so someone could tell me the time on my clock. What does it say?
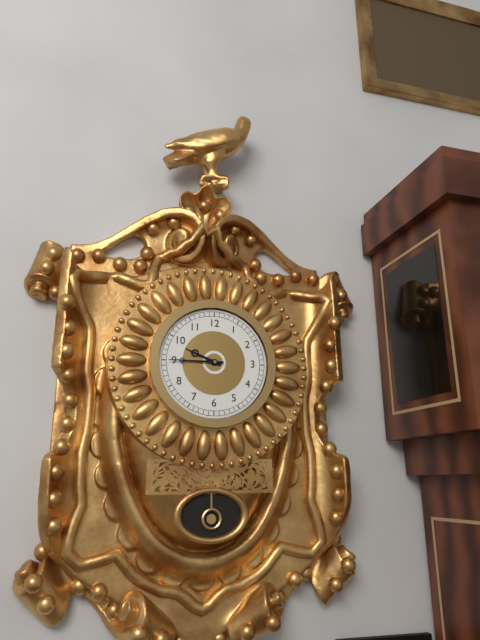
9:45
